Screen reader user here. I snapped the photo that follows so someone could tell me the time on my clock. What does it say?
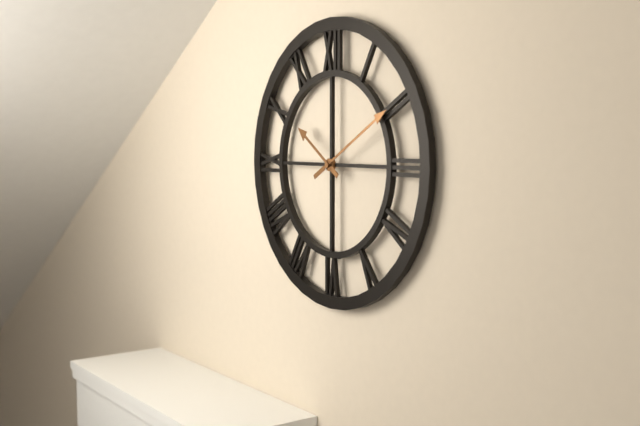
10:10
